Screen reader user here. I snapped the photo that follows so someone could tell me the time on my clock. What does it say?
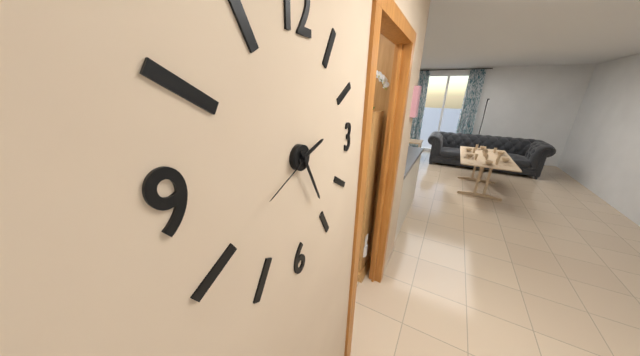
2:25:41
